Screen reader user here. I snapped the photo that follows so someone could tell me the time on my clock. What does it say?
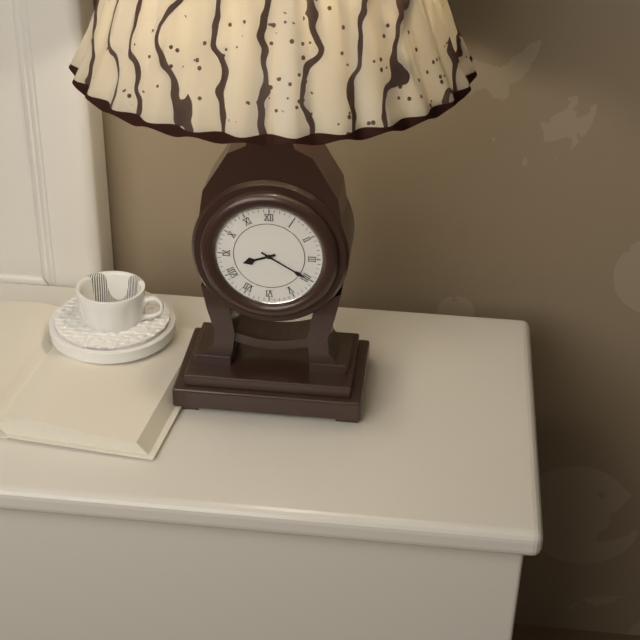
8:20
